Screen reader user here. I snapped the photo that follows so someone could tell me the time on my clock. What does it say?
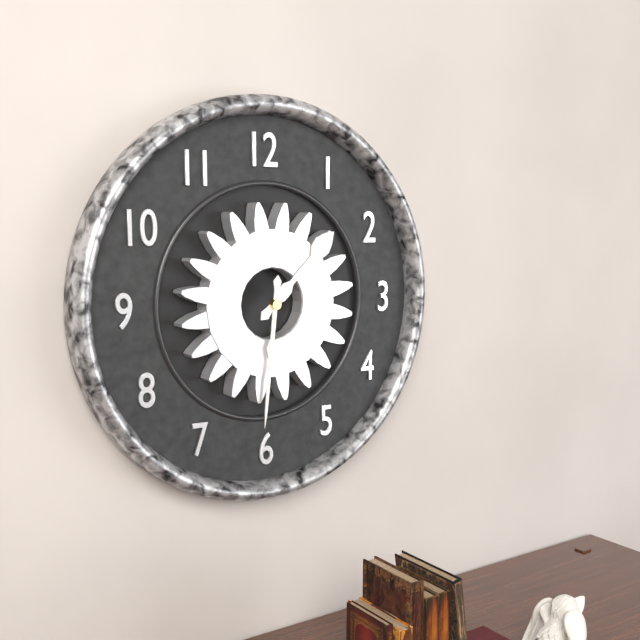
1:31
